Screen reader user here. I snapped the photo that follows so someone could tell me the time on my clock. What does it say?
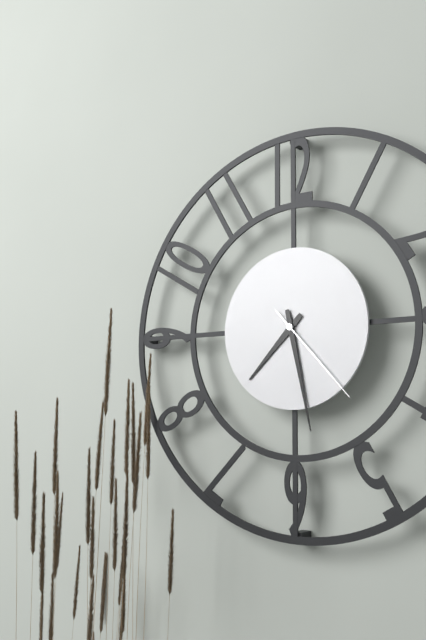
7:28:23
